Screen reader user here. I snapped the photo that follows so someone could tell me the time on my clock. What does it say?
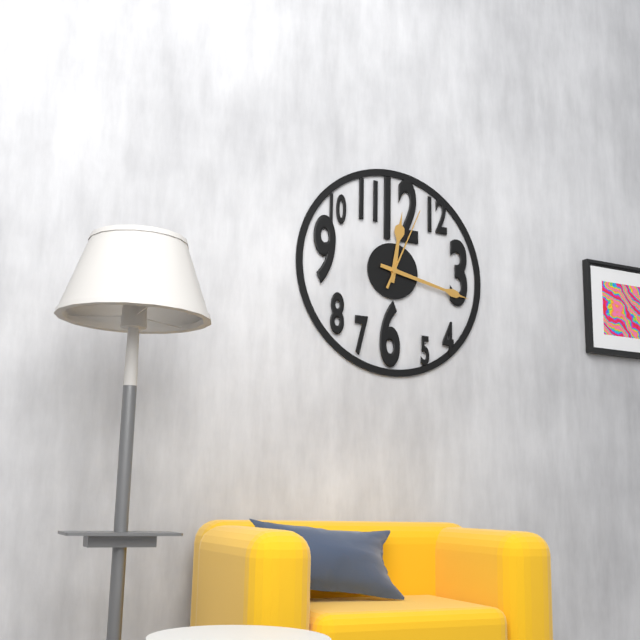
12:17:04
